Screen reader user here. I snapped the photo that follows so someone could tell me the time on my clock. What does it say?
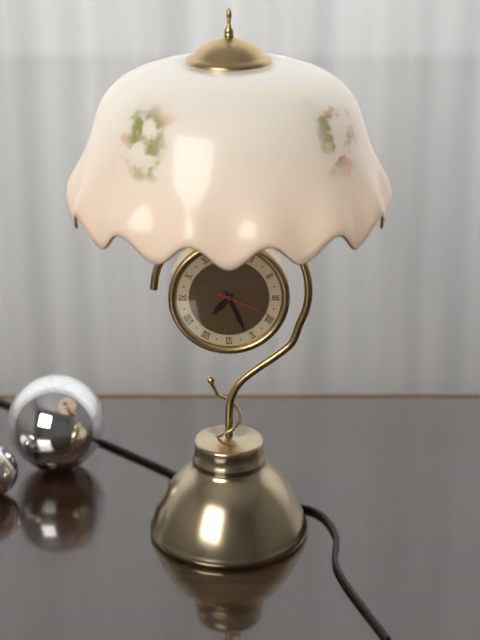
7:26:19
